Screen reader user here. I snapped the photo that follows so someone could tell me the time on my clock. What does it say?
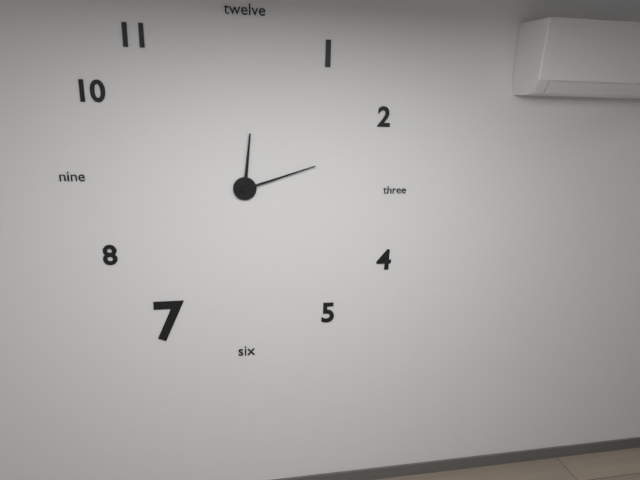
12:12
